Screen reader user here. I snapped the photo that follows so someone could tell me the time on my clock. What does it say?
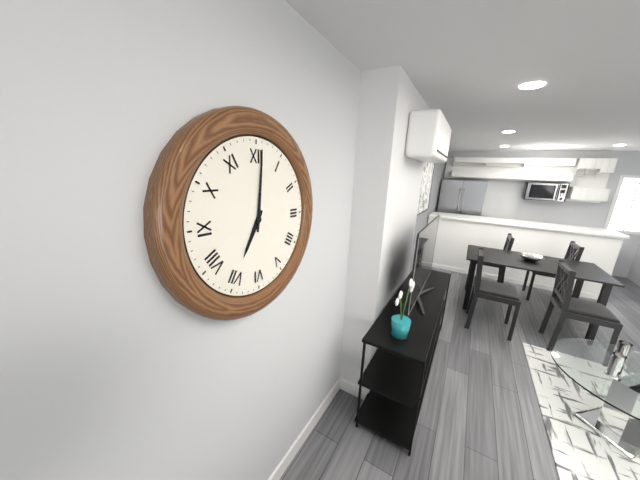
7:01
